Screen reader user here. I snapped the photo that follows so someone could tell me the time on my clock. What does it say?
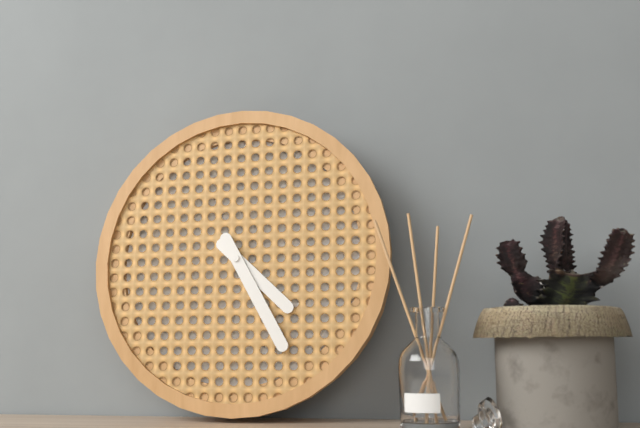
4:25
